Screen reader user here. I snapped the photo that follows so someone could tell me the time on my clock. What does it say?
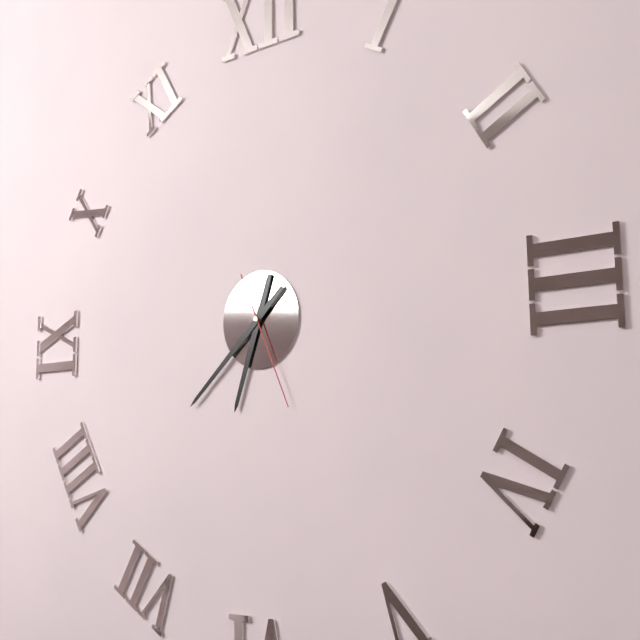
6:38:26
